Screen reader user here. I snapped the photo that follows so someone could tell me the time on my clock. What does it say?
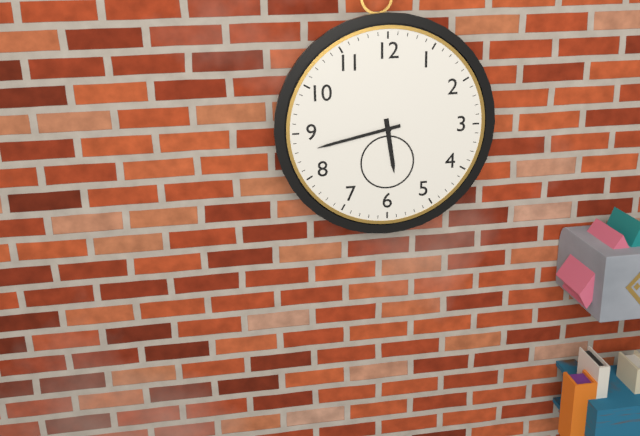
5:43
